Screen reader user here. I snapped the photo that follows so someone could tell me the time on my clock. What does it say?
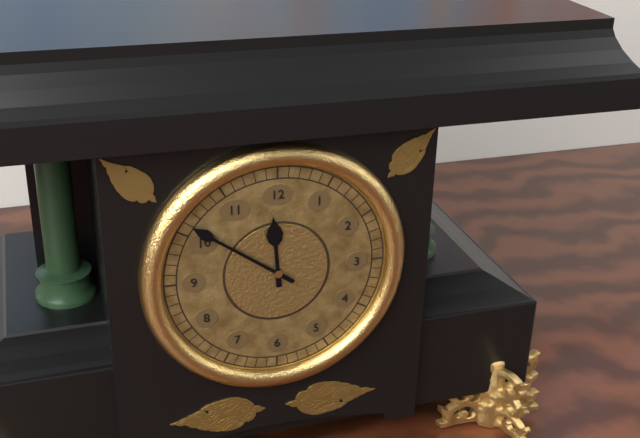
11:51
